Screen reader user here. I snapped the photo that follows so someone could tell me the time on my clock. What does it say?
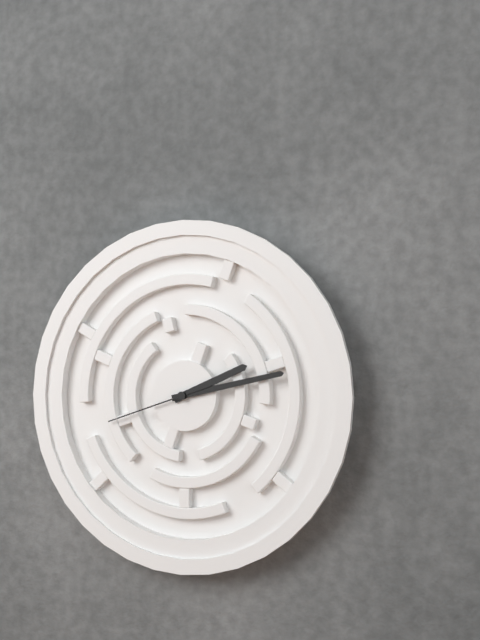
2:13:42
